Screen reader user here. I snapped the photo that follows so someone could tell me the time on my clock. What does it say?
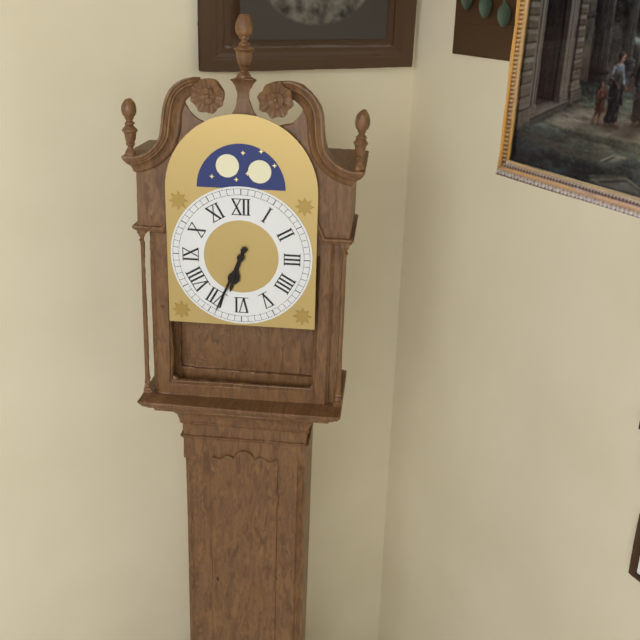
6:34
